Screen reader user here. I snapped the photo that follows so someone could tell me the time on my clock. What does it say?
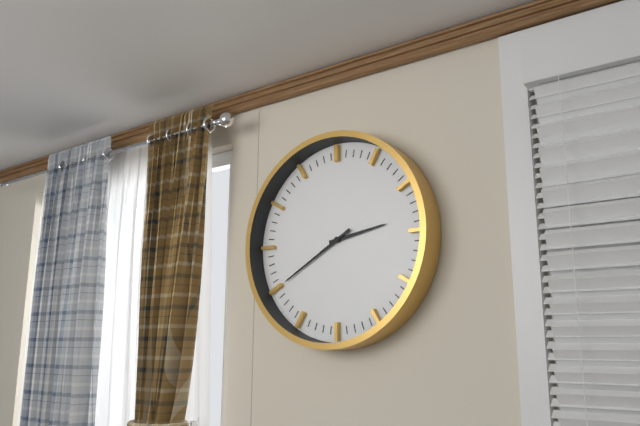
2:40
